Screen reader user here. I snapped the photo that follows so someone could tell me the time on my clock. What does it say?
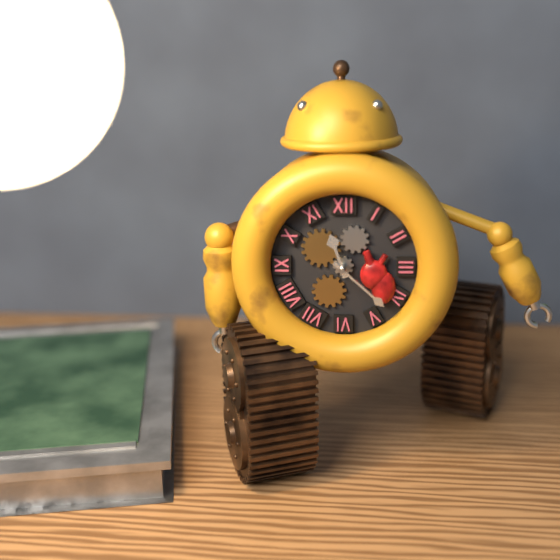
11:22
